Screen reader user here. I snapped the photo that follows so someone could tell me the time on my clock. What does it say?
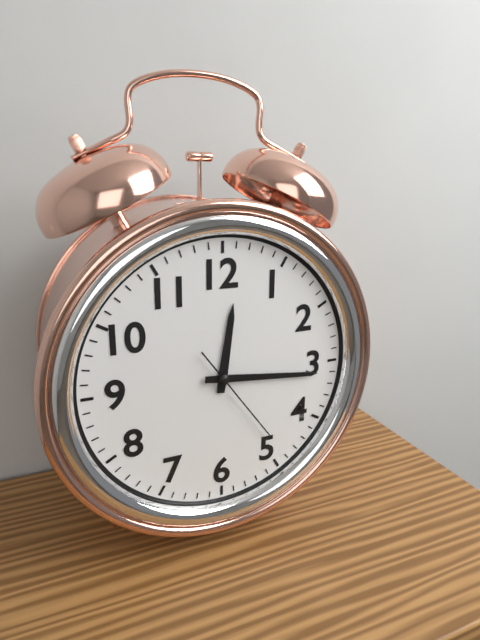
12:16:24
